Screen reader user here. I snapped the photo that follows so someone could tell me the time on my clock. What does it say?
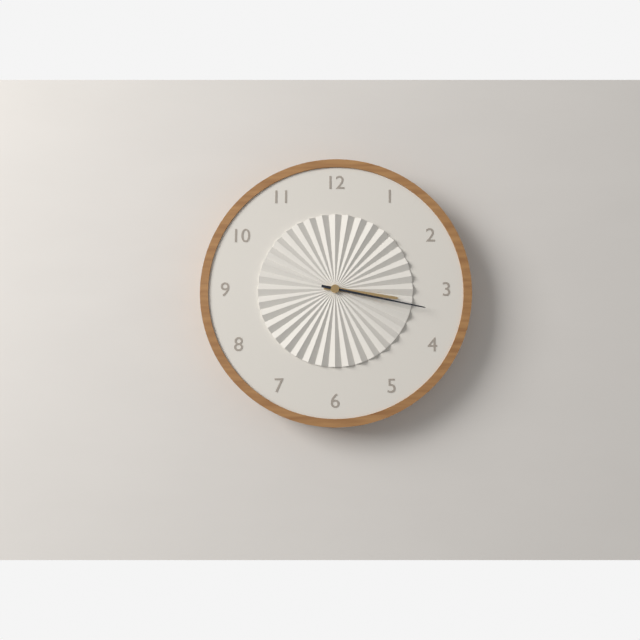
3:17
